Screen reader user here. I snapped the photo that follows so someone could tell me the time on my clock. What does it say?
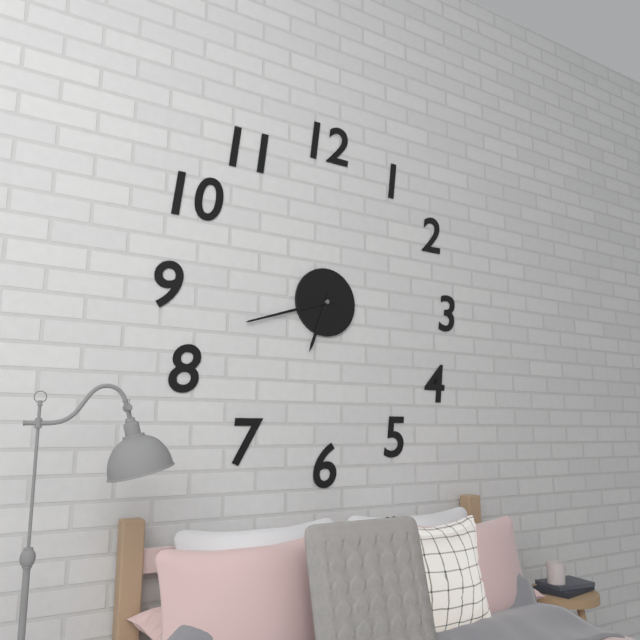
6:42
